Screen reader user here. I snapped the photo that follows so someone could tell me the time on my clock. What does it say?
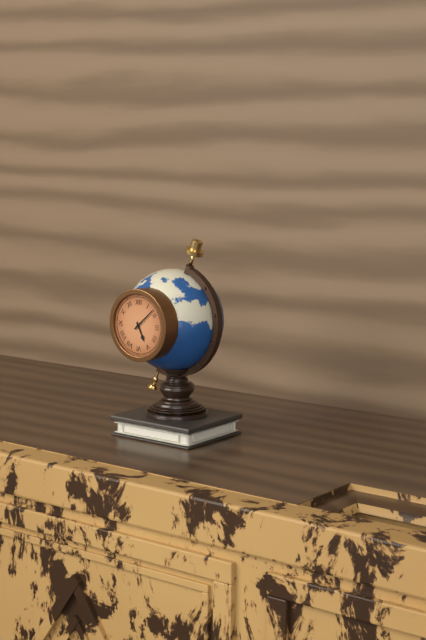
5:08
